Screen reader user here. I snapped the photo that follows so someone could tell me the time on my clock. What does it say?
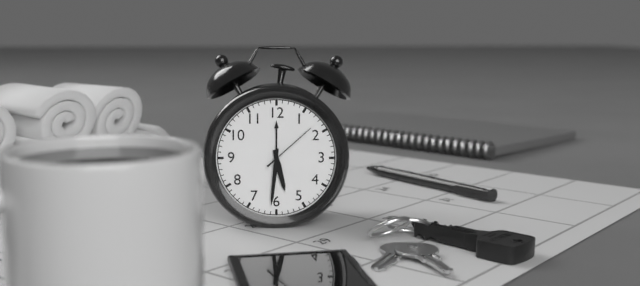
5:31:08
